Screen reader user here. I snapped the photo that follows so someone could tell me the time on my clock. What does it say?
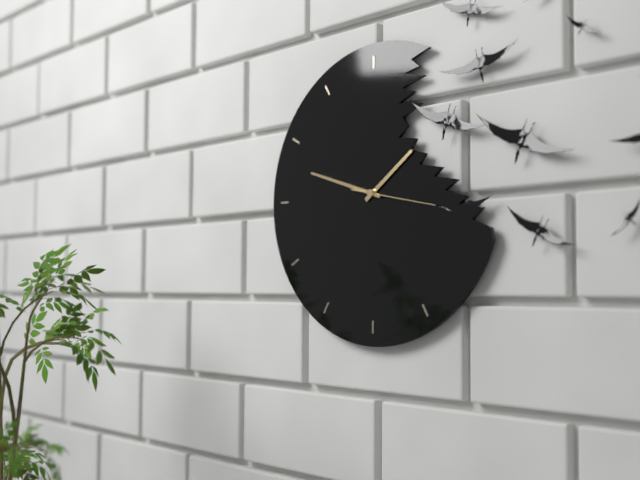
1:48:17
